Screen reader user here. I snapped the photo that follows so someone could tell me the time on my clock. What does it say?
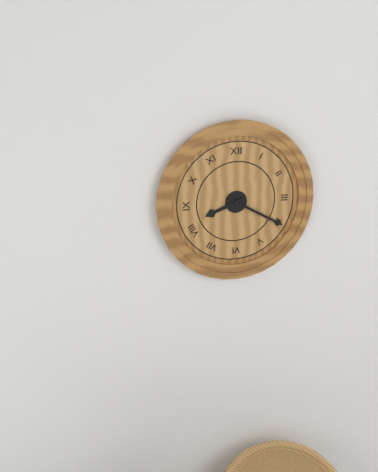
8:20
